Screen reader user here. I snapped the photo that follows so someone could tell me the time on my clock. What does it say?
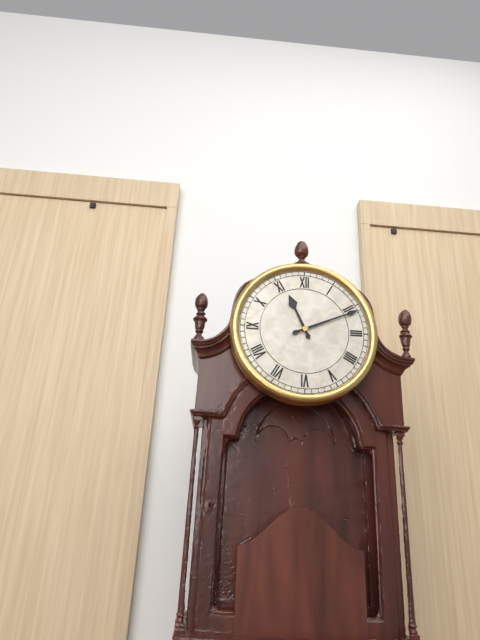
11:11
